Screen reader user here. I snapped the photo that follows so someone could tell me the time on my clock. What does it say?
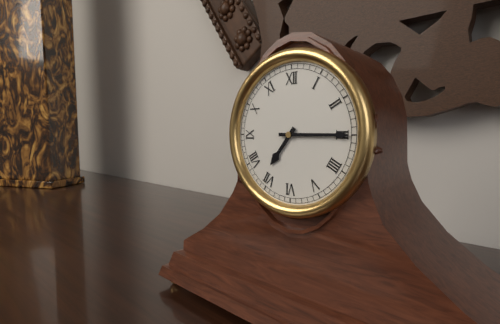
7:15
